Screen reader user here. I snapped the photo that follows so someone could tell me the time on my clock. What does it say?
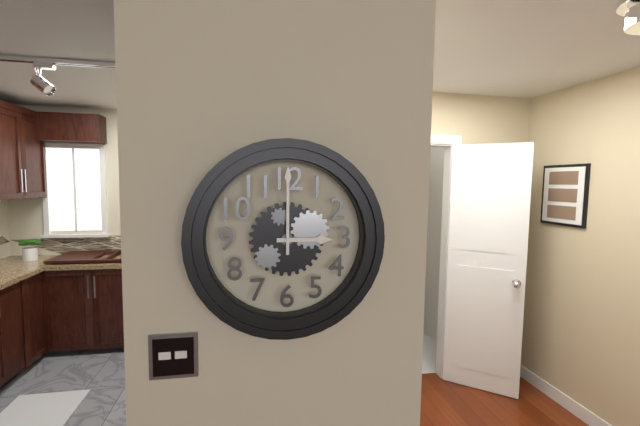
3:00
